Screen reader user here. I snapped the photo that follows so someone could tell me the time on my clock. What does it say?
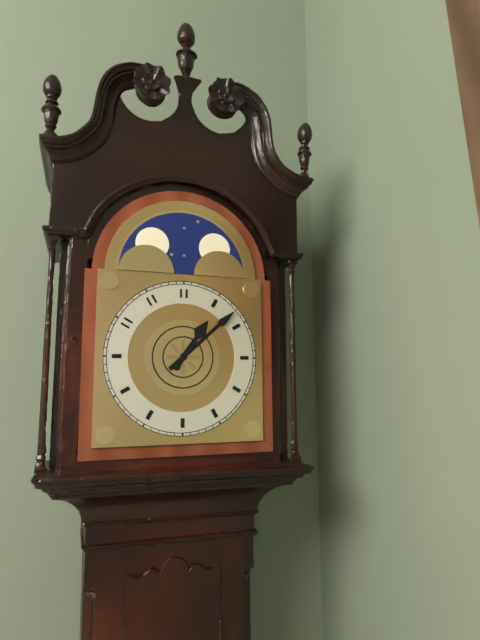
1:08
